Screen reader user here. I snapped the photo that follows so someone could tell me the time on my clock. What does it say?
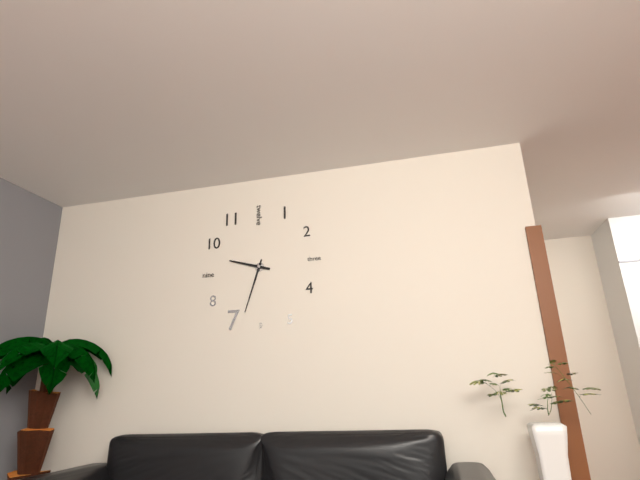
9:33
